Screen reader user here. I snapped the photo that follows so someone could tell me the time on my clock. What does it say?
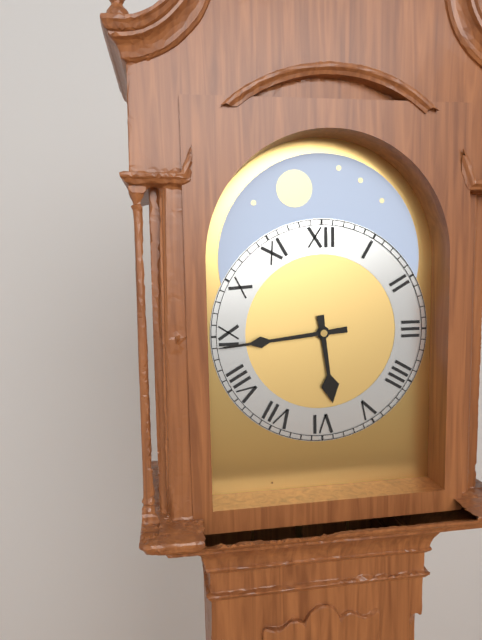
5:44
